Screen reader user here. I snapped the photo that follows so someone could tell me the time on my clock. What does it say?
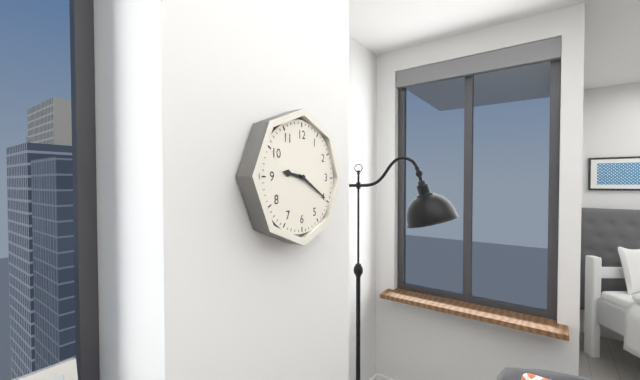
9:20
